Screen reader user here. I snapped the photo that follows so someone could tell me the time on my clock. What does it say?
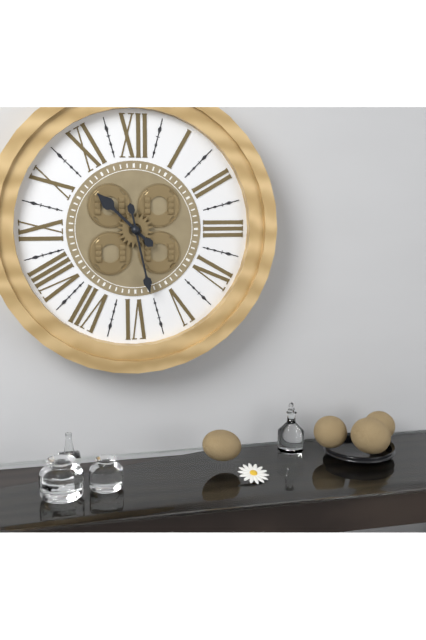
10:28
